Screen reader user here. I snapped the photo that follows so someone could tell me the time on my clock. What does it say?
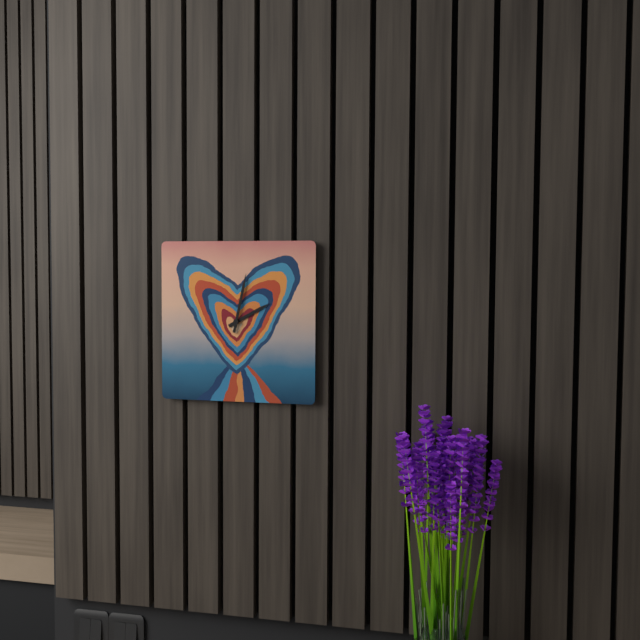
2:02
